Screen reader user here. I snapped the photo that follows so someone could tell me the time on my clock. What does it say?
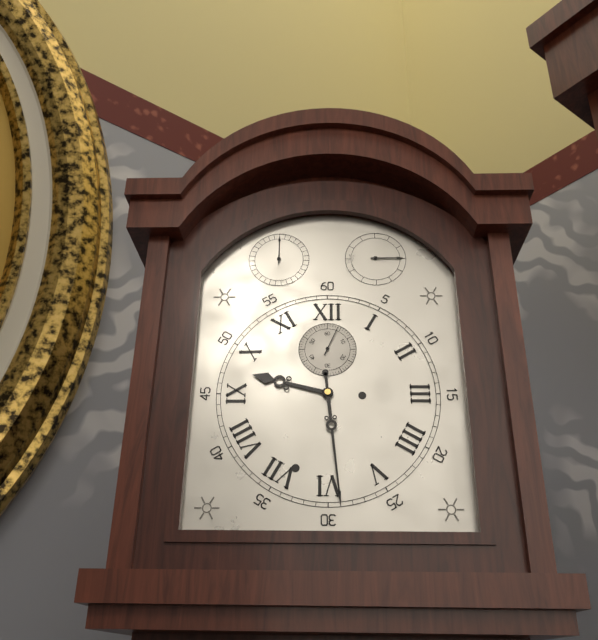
9:29
